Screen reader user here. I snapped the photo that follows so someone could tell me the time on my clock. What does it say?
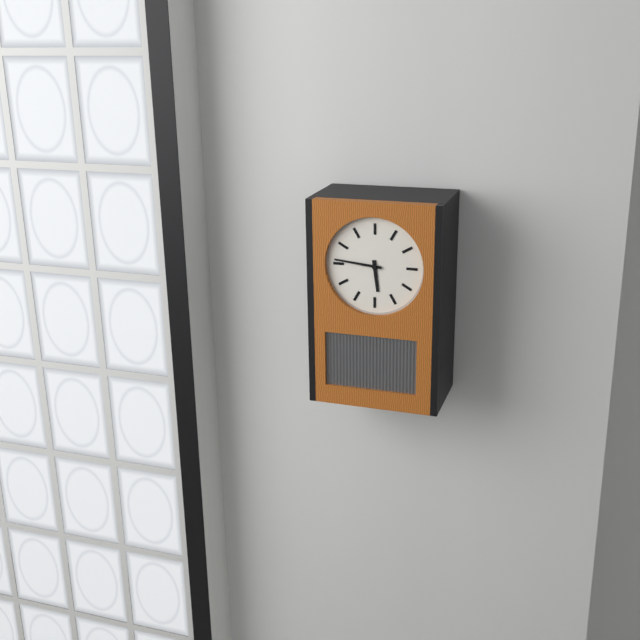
5:46
